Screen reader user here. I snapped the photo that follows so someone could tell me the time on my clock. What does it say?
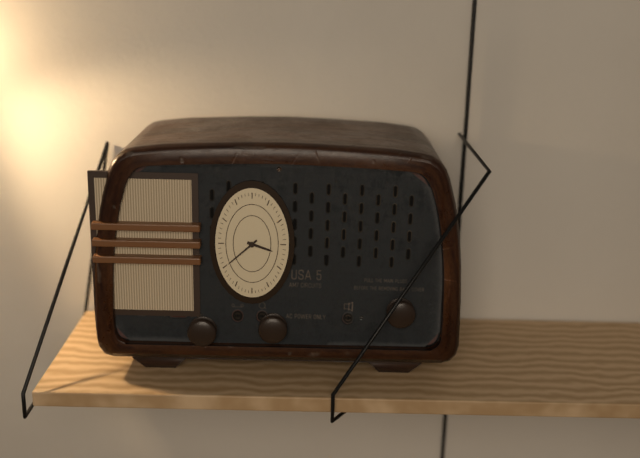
3:38
